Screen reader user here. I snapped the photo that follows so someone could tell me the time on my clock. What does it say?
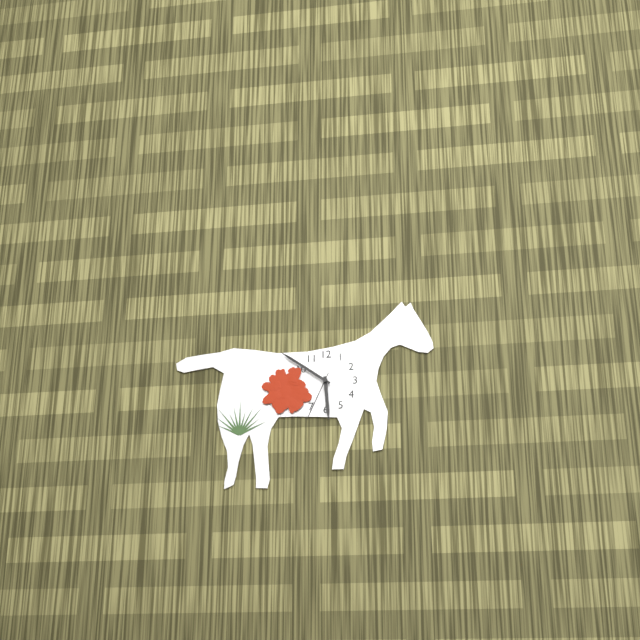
5:51:34
